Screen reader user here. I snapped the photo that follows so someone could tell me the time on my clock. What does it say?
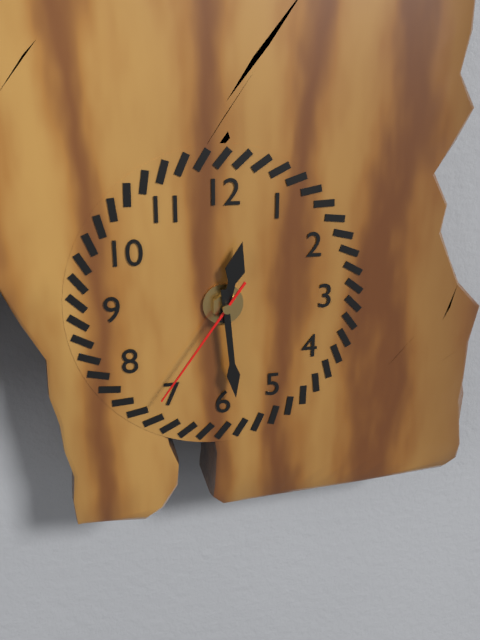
12:29:36
